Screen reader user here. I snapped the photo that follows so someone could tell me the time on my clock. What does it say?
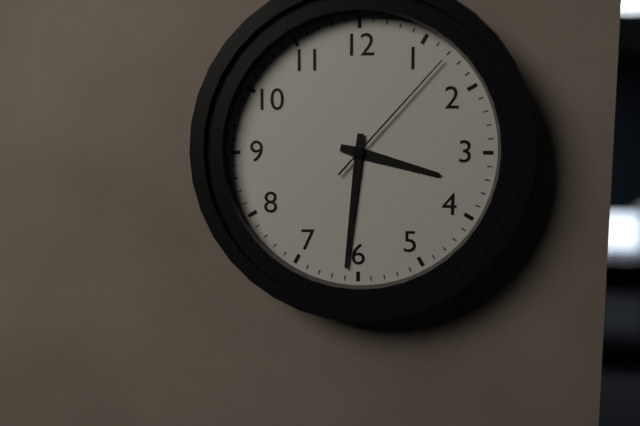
3:31:07
